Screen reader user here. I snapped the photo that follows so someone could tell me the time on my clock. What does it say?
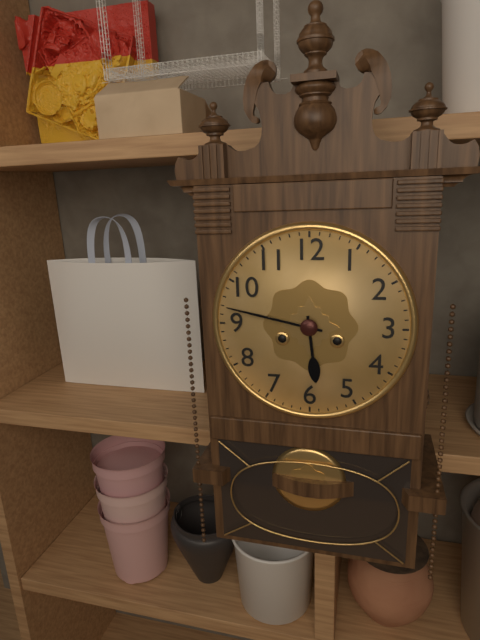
5:47
